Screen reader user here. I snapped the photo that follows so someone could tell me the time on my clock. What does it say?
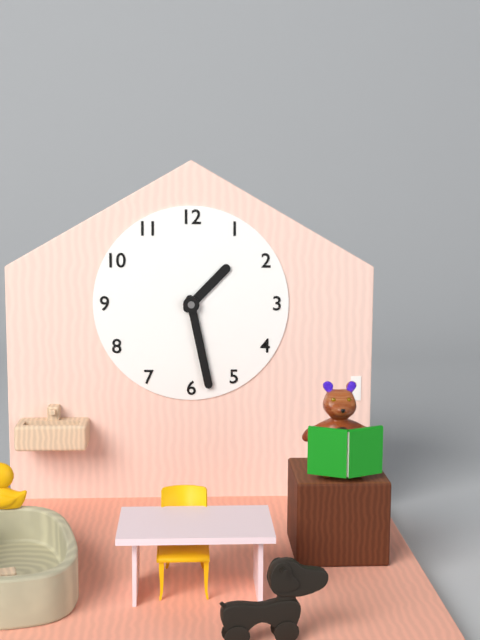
1:28
